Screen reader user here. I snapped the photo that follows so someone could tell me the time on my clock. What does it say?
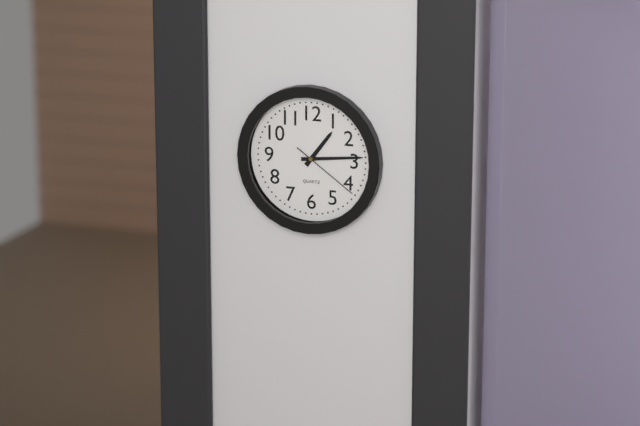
1:14:21
